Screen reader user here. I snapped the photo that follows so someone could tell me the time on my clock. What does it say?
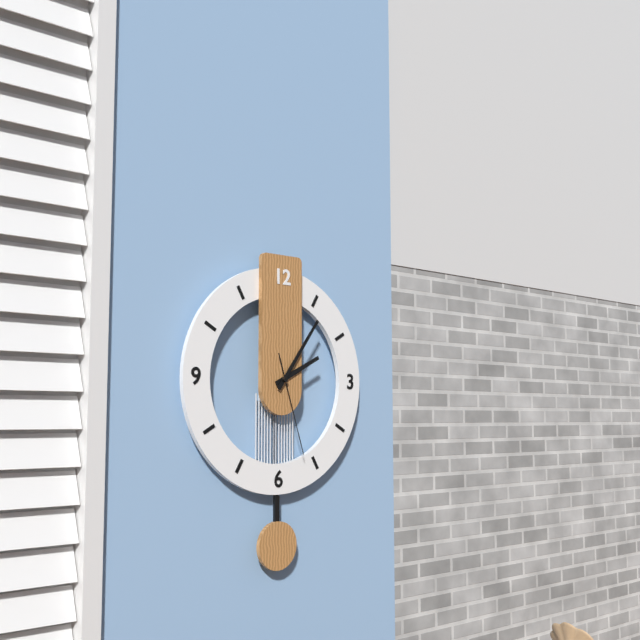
2:06:27
